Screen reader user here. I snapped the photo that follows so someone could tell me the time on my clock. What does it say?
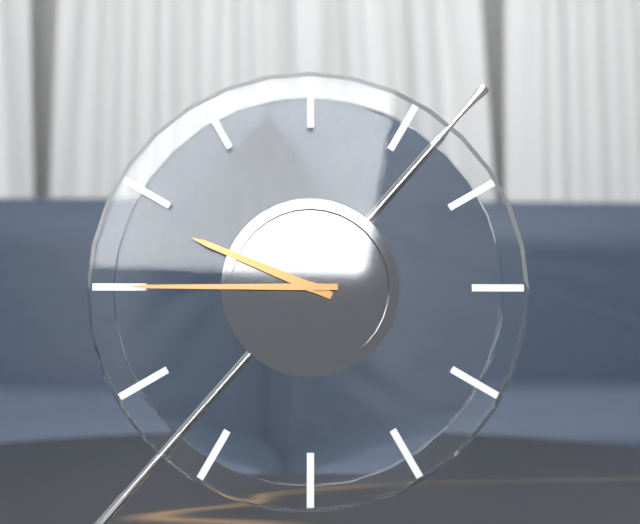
9:45
